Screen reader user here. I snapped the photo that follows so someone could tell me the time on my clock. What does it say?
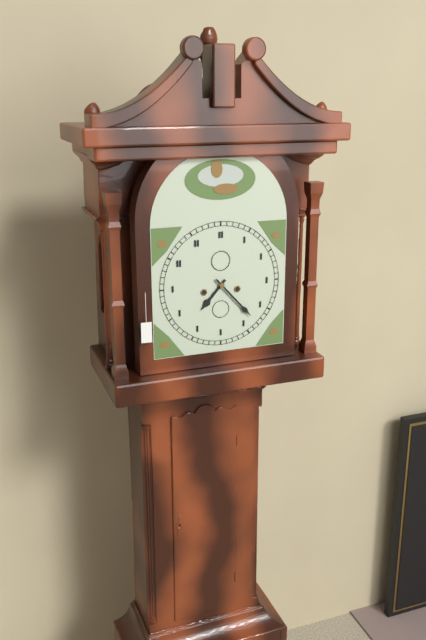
7:23
